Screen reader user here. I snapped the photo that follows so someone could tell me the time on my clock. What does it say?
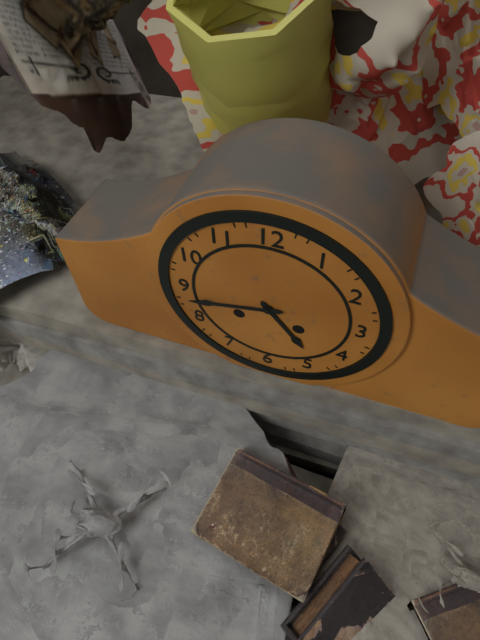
4:43
